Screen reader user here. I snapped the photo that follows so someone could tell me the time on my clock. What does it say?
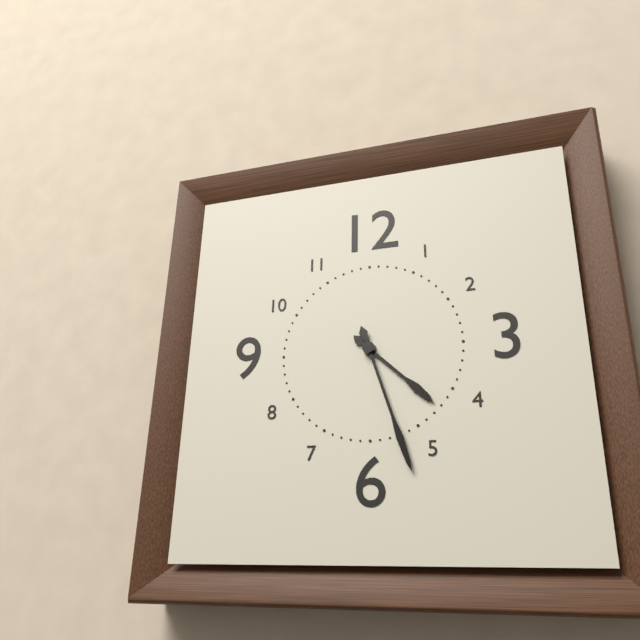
4:27
